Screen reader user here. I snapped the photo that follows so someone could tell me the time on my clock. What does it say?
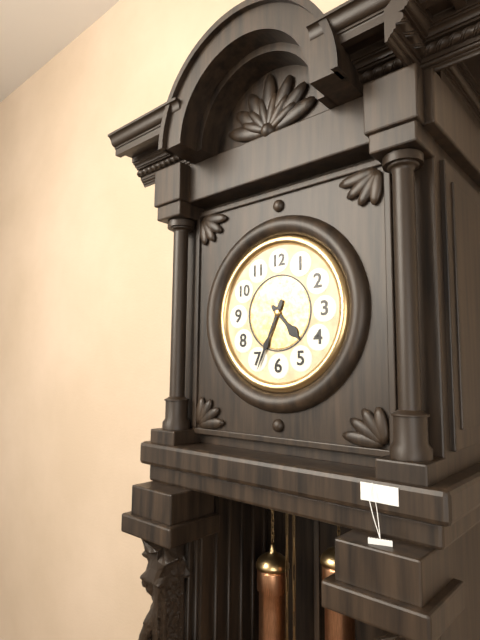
4:34
